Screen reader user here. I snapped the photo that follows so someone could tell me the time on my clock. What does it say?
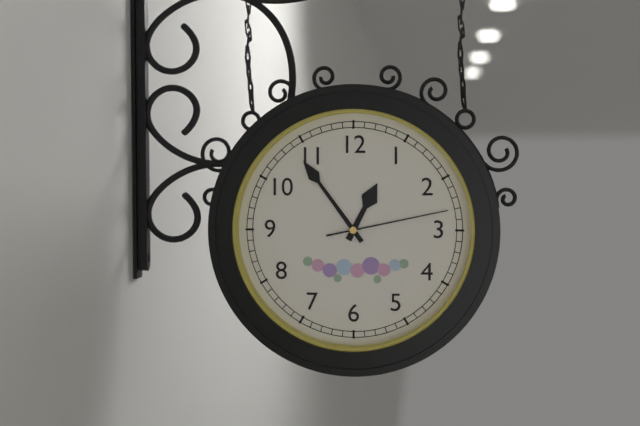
12:54:13
